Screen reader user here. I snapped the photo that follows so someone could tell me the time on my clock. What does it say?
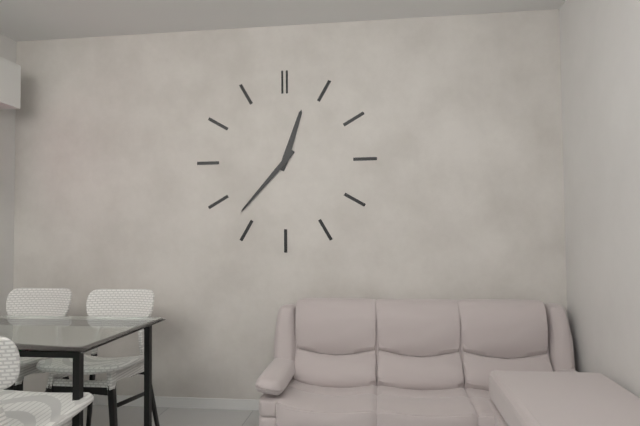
12:37
